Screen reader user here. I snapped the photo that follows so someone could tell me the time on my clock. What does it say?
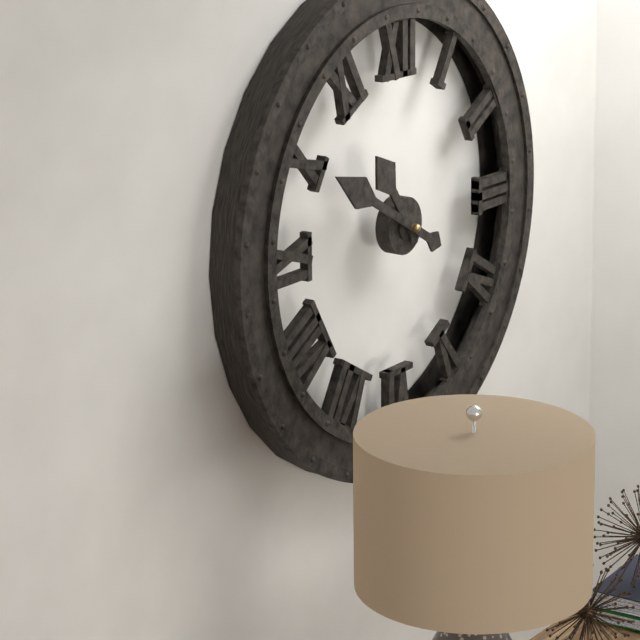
10:50
